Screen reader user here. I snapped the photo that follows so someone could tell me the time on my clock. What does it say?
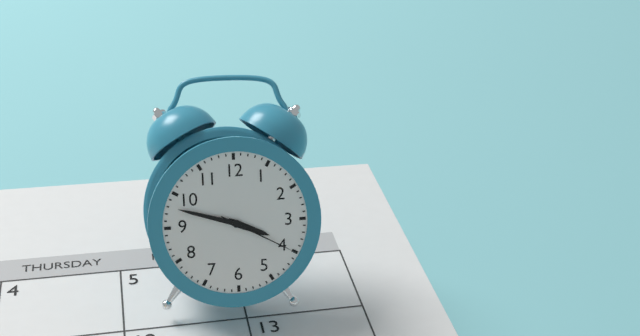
3:48:20
